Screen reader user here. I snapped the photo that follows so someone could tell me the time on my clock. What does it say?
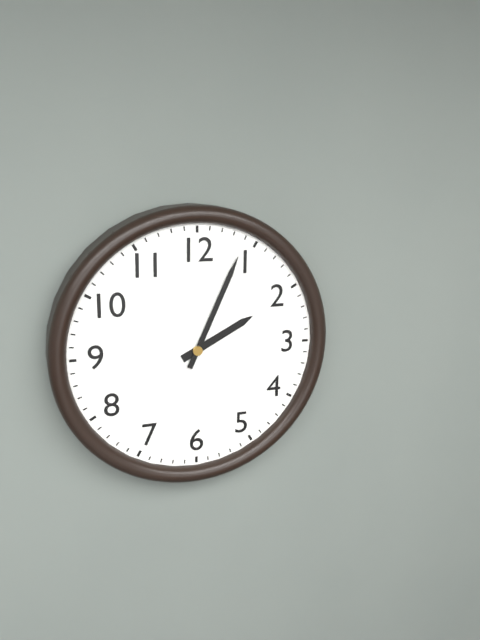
2:04
